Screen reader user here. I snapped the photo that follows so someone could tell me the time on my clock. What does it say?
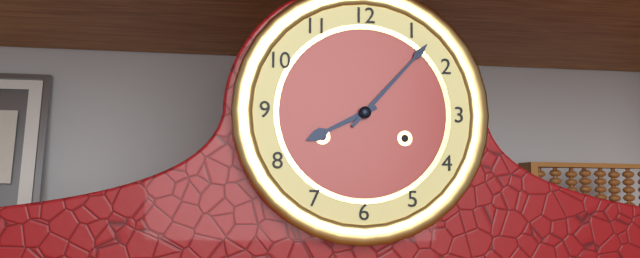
8:07
